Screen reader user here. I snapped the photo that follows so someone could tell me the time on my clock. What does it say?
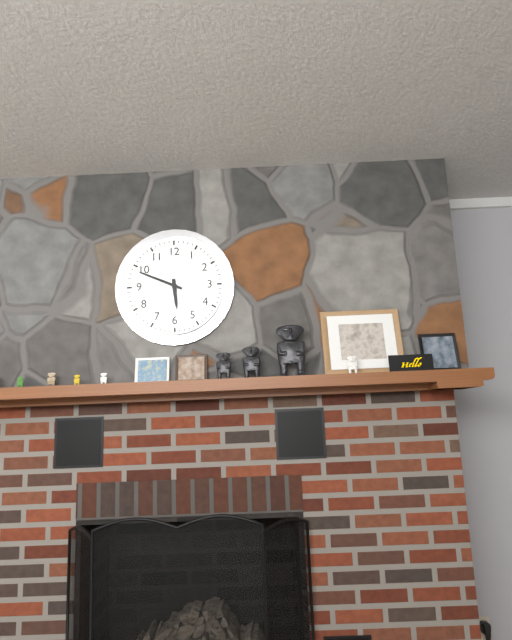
5:49
